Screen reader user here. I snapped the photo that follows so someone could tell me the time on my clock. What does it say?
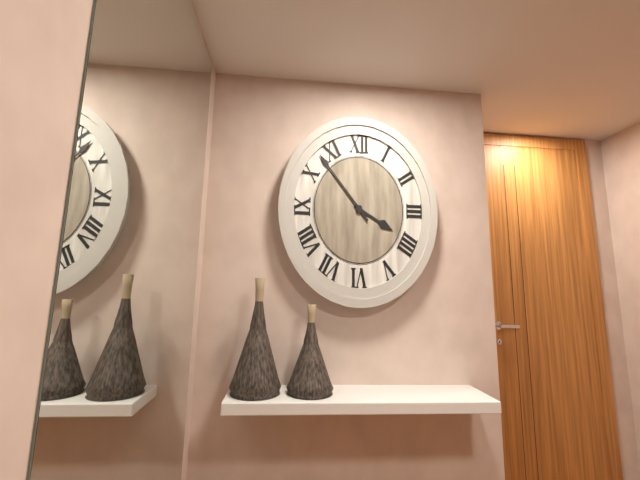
3:53
